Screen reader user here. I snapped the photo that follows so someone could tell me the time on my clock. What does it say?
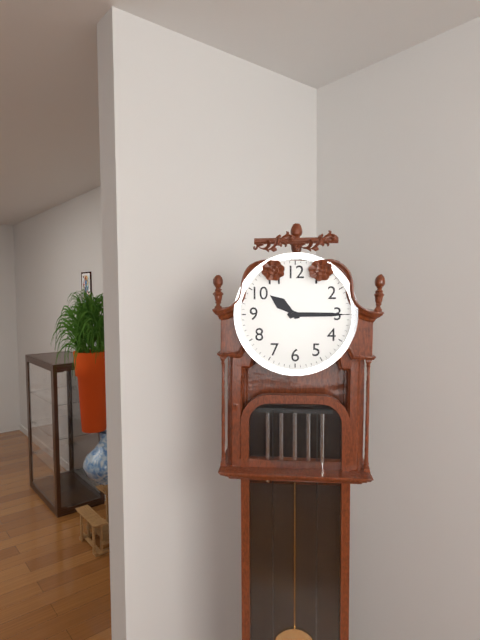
10:15
